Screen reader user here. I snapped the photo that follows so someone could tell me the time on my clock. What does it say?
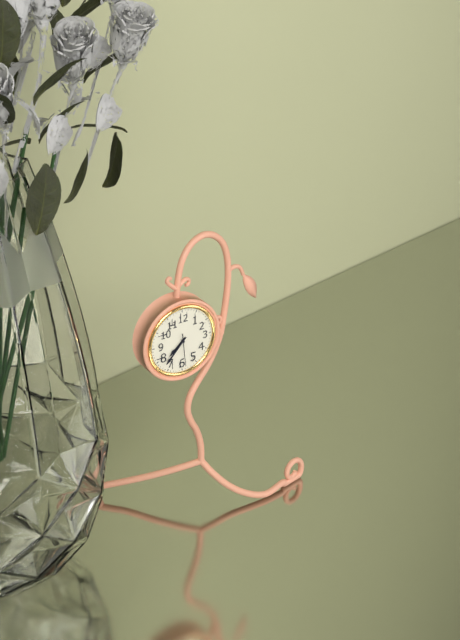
7:37
